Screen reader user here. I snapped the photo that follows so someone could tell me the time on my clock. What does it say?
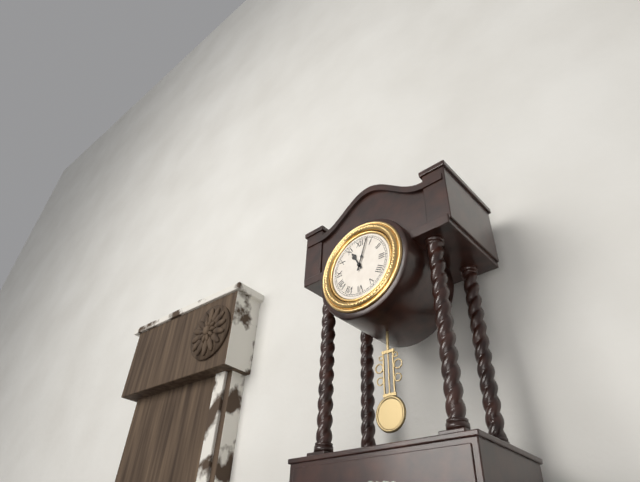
11:03
